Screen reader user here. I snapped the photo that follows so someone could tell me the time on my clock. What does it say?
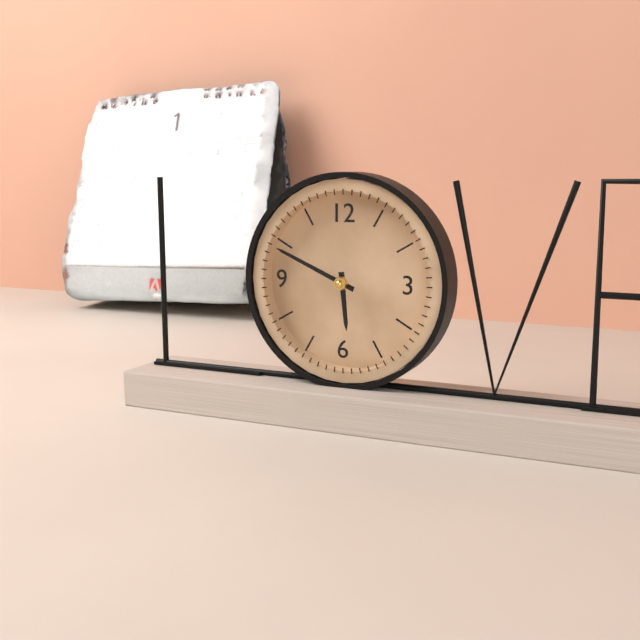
5:49
